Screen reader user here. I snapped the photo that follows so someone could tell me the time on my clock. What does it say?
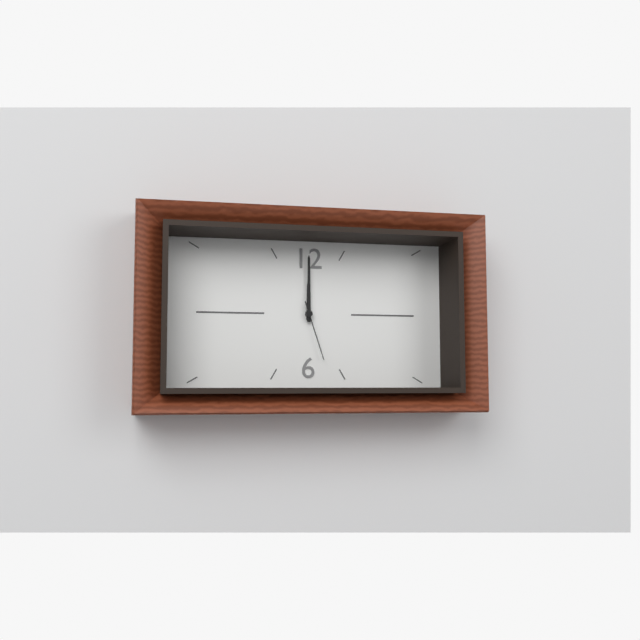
12:00:27
